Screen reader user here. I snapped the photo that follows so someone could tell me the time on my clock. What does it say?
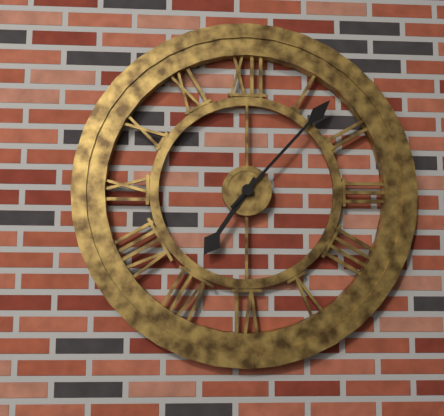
7:07
